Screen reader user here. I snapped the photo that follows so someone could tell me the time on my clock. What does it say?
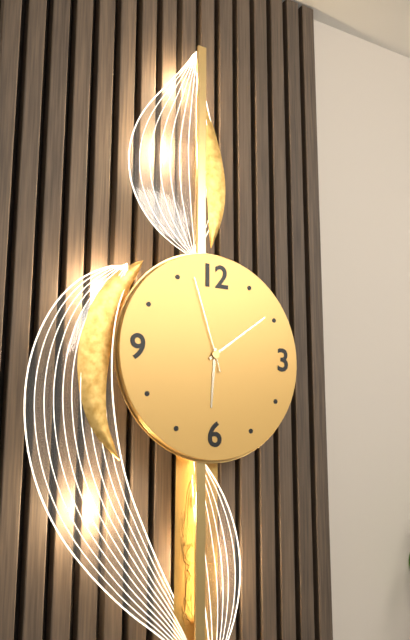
6:09:57
